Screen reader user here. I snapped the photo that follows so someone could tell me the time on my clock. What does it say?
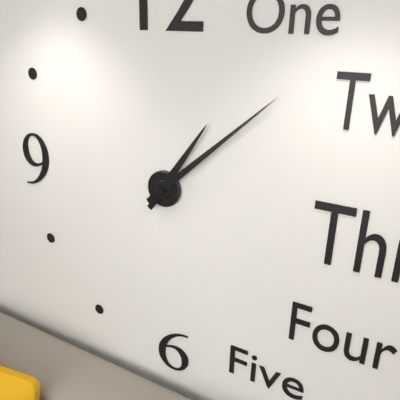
1:08
